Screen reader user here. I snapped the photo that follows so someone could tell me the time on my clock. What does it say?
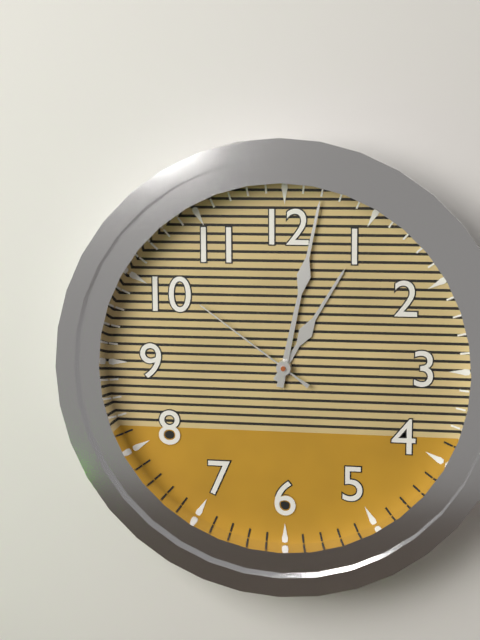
1:02:51
